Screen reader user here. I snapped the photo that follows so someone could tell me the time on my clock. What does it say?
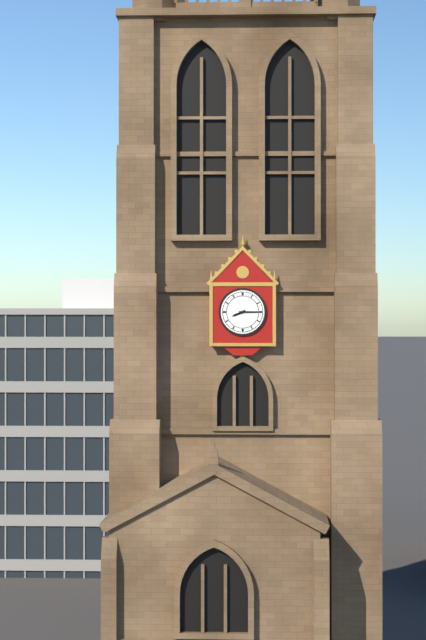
8:15
